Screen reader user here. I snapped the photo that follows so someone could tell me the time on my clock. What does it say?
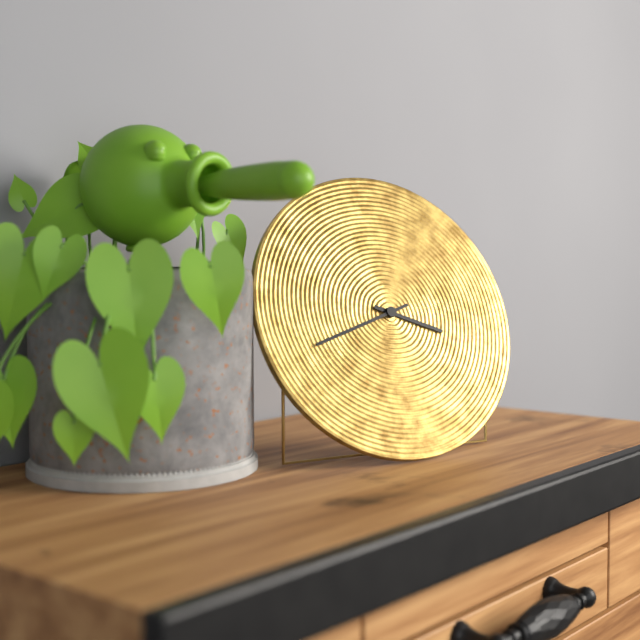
3:42
